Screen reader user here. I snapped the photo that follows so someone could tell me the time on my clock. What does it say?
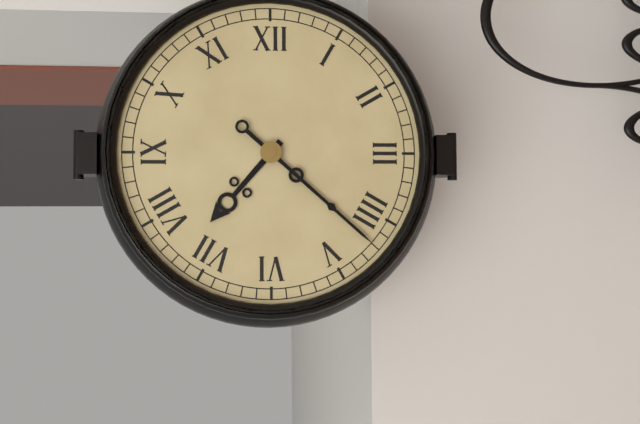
7:22
